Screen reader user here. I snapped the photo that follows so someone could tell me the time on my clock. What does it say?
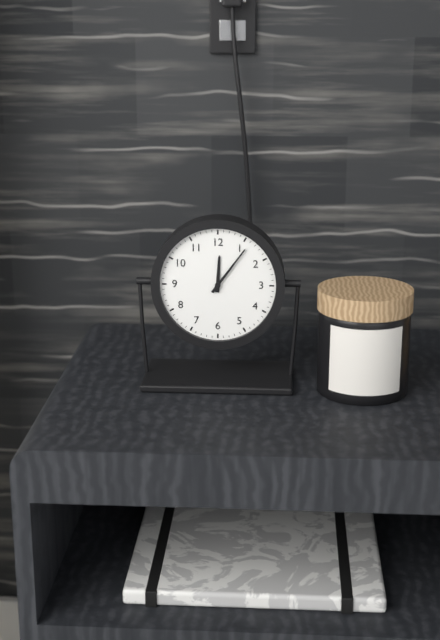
12:06
